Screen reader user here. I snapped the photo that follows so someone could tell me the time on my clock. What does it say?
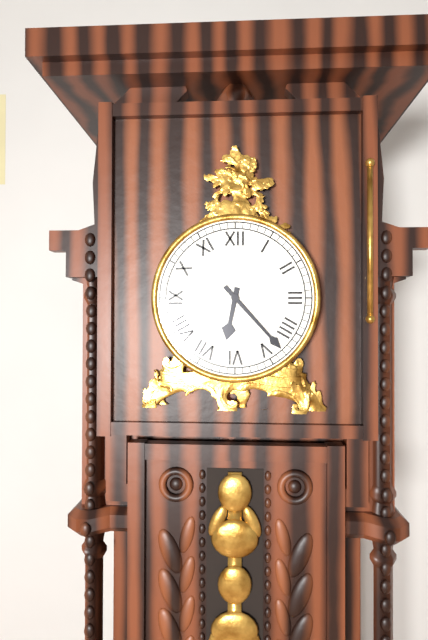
6:23
